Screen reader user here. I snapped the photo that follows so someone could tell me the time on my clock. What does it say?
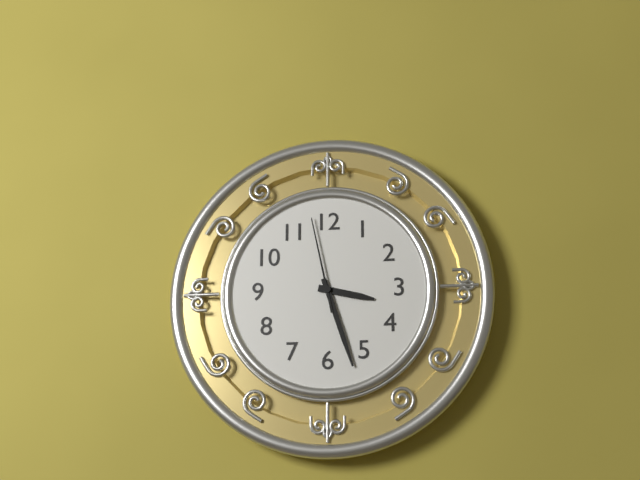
3:27:58
